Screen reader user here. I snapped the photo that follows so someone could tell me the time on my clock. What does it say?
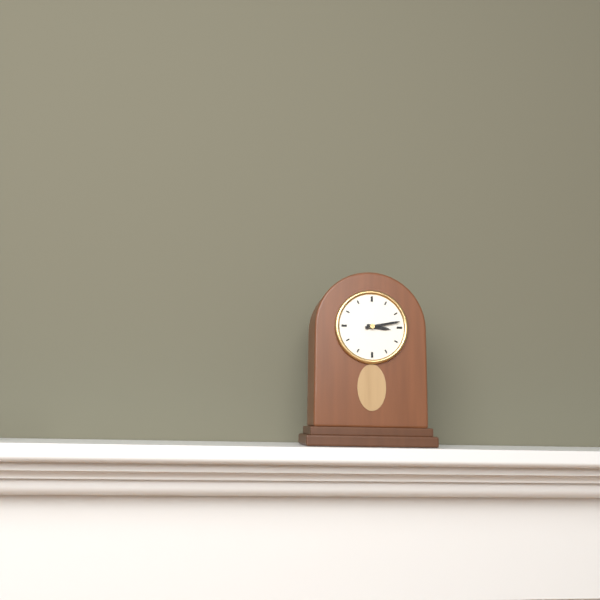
3:13
